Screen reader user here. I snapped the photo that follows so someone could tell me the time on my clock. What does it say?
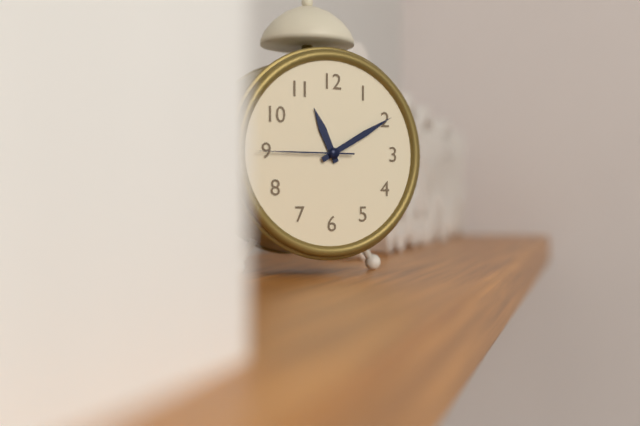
11:10:45
